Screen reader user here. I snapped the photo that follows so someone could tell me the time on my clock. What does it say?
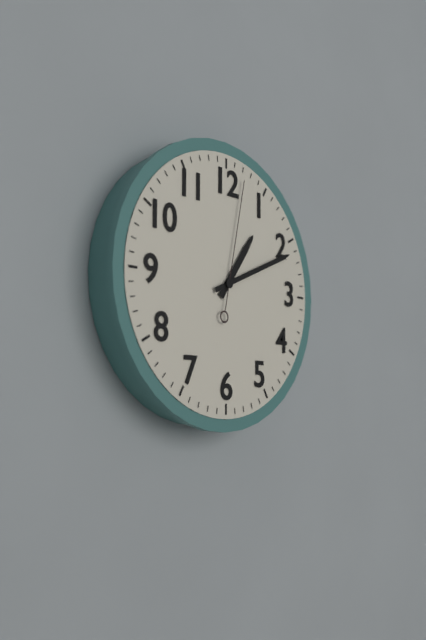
1:11:02
